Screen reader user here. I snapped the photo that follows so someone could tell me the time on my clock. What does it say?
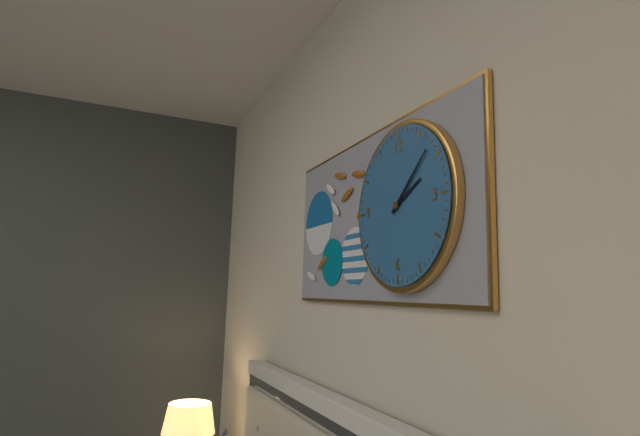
2:08
